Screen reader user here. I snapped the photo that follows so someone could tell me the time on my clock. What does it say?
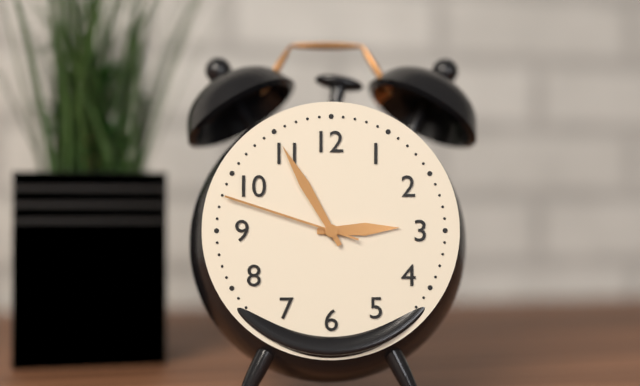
2:55:48
